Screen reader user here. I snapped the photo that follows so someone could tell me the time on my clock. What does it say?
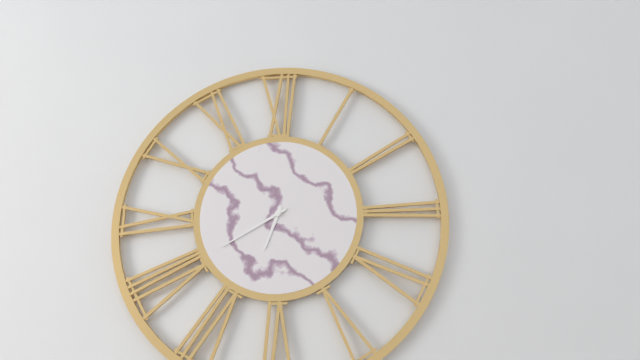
6:40
